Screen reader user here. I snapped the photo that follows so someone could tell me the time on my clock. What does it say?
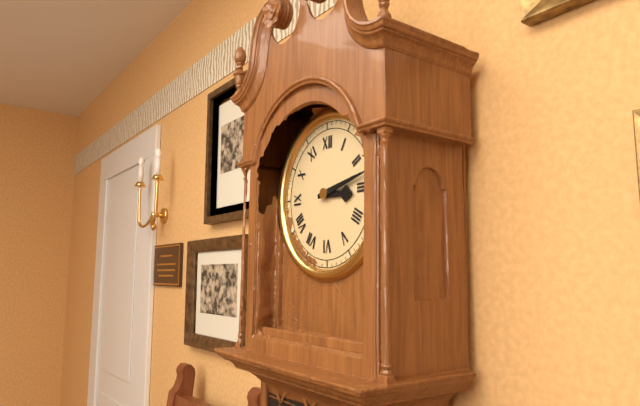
3:13
